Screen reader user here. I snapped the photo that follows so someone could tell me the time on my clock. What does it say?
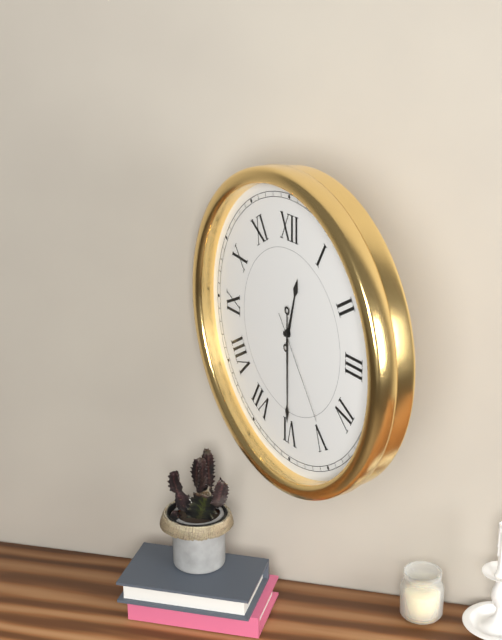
12:30:24
